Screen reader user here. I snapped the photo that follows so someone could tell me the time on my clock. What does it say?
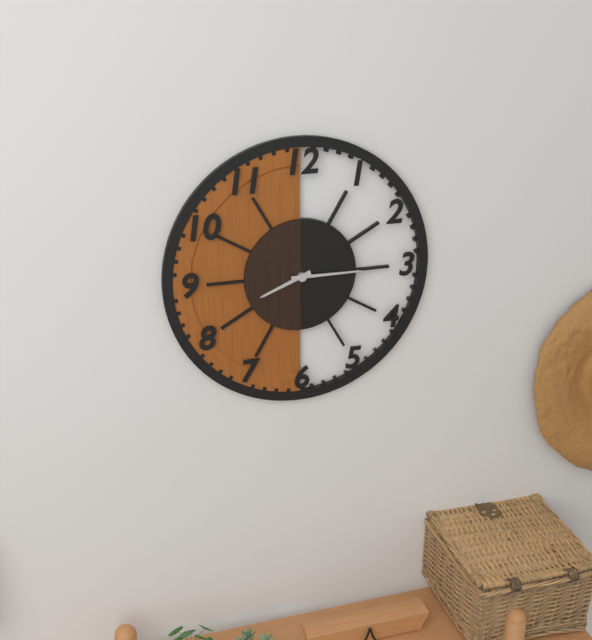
8:15
